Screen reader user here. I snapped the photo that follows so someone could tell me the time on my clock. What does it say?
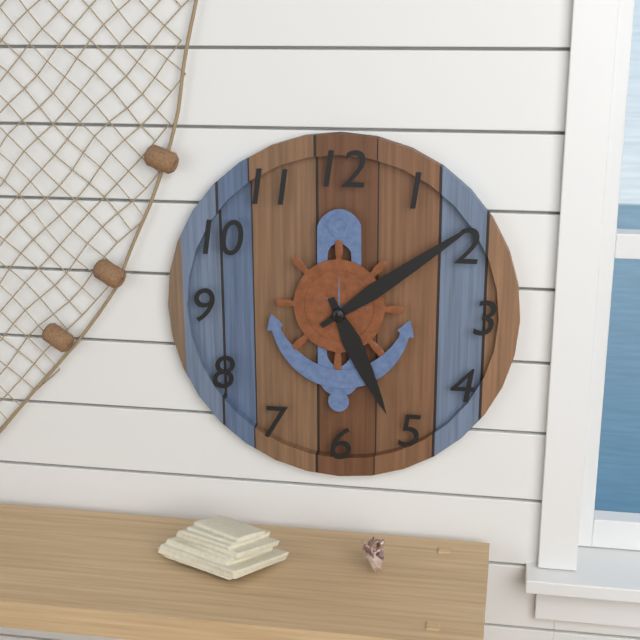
5:09
